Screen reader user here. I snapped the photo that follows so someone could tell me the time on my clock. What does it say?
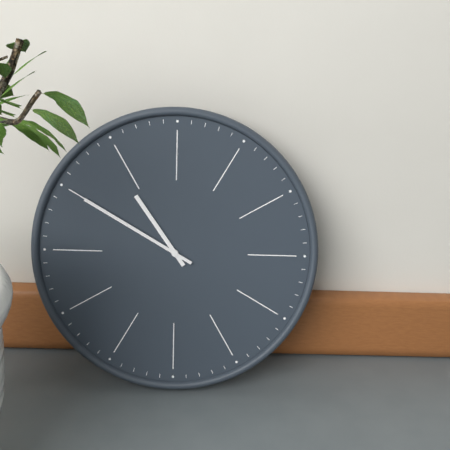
10:50
